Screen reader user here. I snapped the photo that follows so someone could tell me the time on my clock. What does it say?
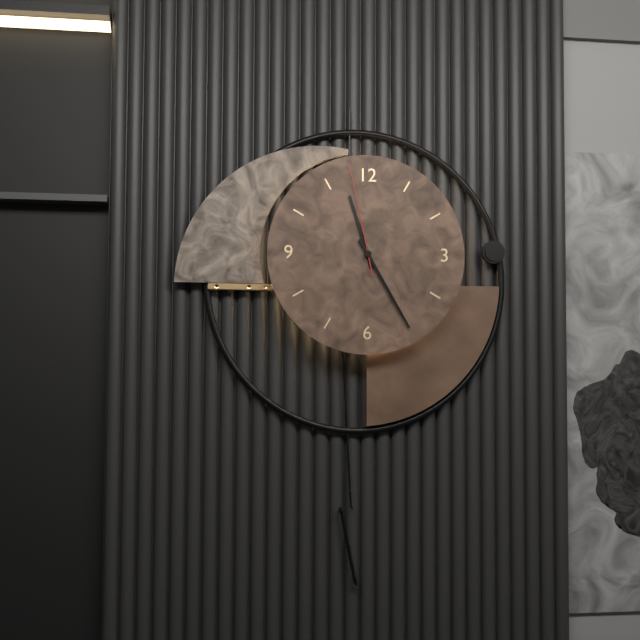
11:25:58
